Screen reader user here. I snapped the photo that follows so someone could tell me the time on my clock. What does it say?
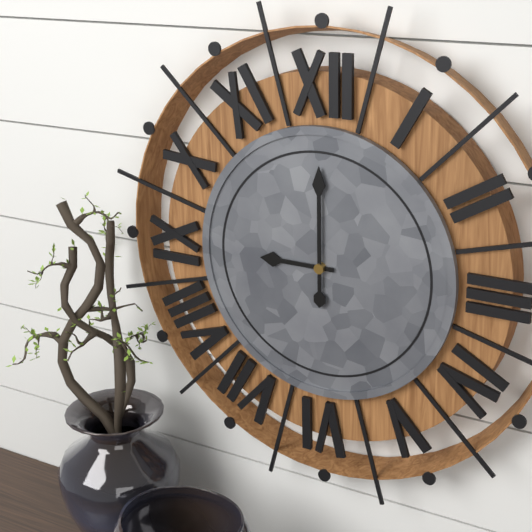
9:00
